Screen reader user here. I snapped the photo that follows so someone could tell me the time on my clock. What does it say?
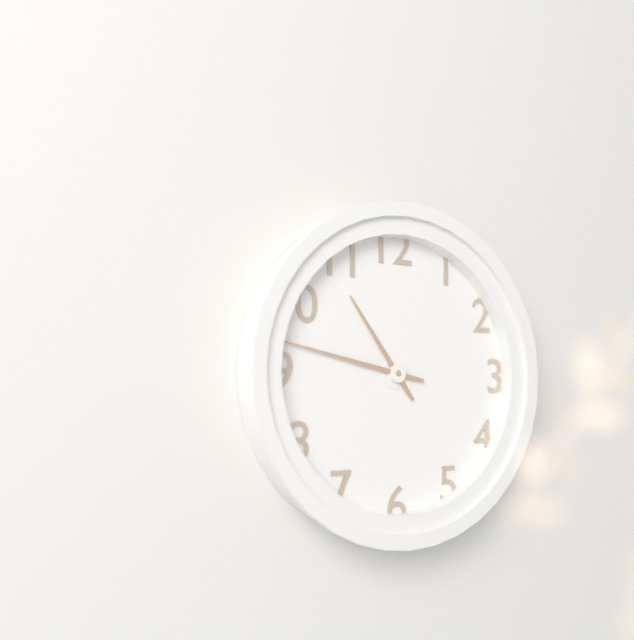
10:47
